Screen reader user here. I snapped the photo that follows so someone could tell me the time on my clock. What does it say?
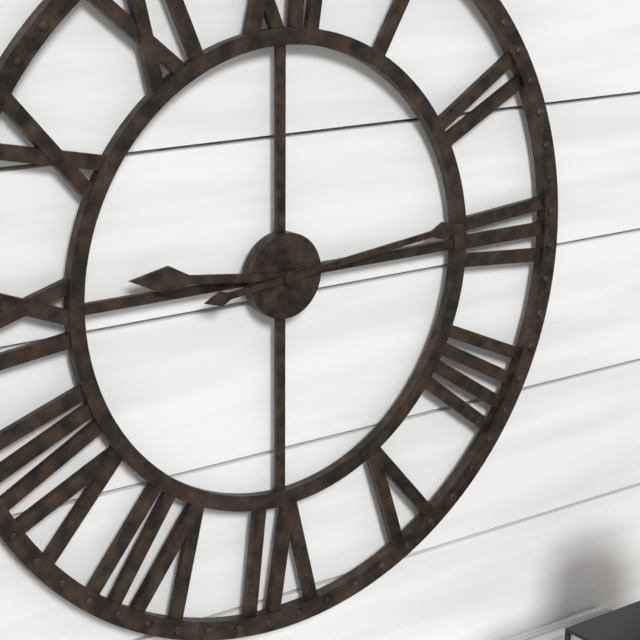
9:14
